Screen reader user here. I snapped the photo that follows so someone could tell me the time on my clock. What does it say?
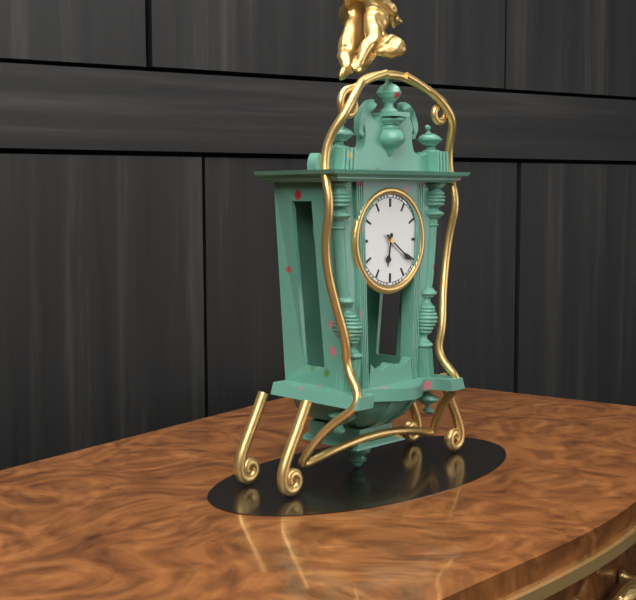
6:21
